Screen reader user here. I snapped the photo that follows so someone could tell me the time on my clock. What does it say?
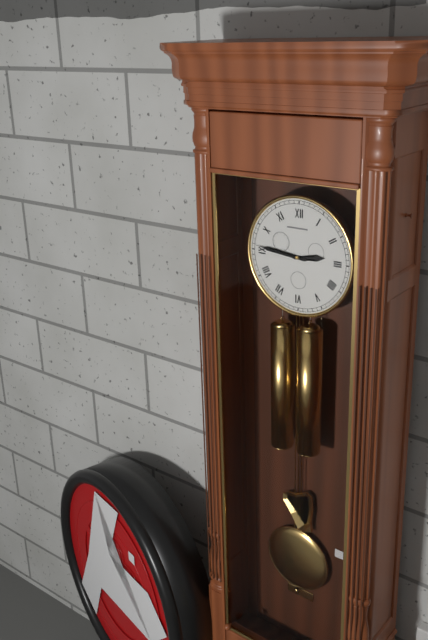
2:46
